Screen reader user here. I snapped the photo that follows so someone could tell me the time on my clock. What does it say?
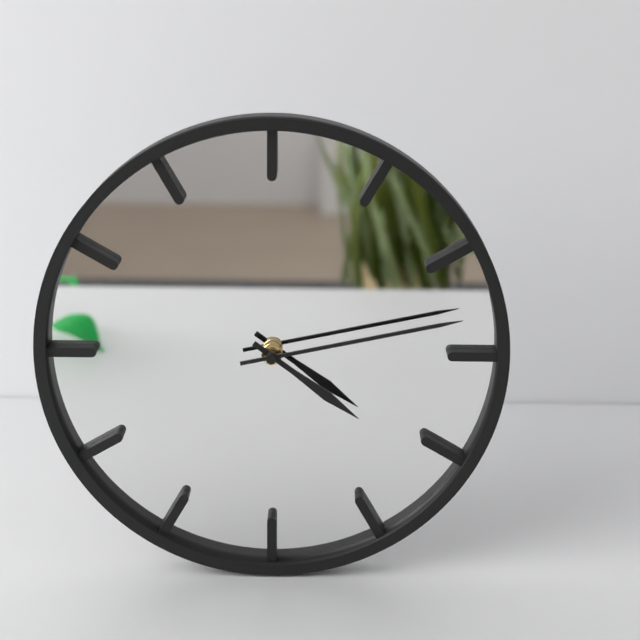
4:13
